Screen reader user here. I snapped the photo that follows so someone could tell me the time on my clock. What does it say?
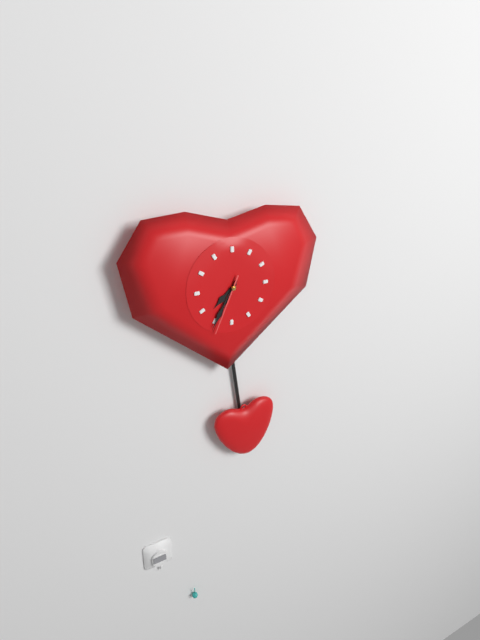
7:35:34
